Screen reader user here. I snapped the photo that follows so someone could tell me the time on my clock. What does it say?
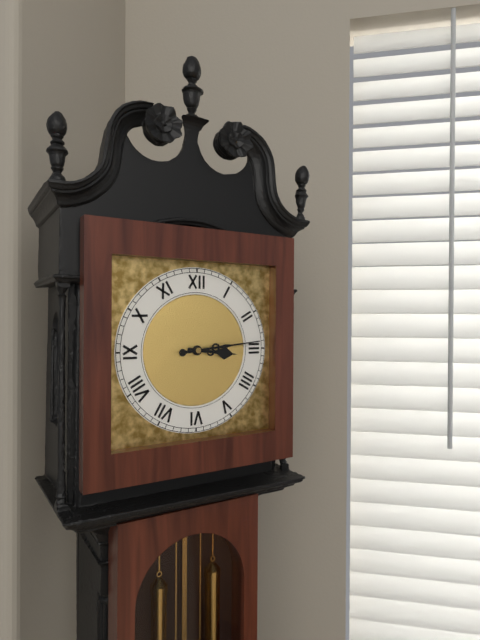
3:14
